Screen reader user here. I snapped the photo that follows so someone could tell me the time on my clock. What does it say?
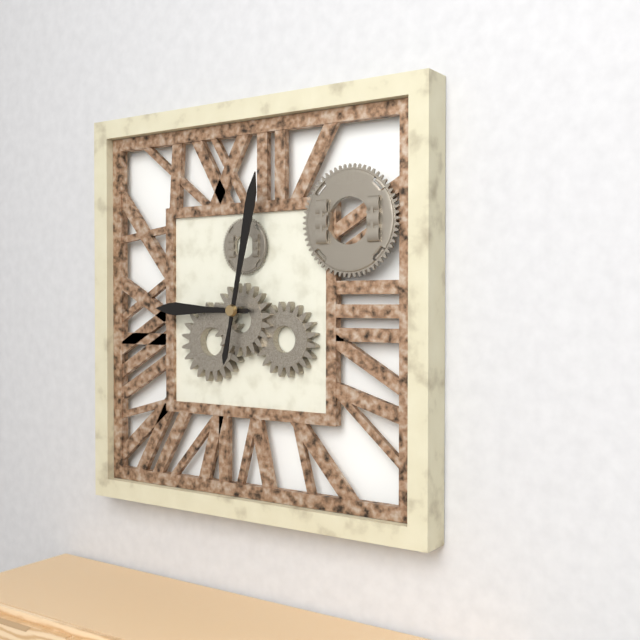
9:02
